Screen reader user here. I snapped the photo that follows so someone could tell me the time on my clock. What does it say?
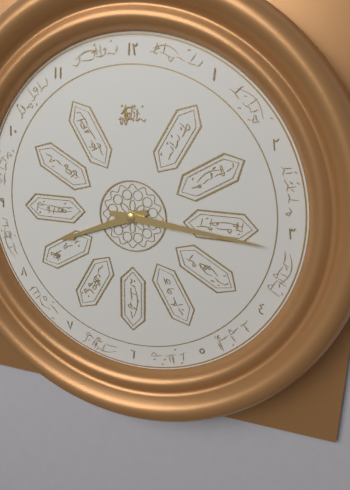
8:16
